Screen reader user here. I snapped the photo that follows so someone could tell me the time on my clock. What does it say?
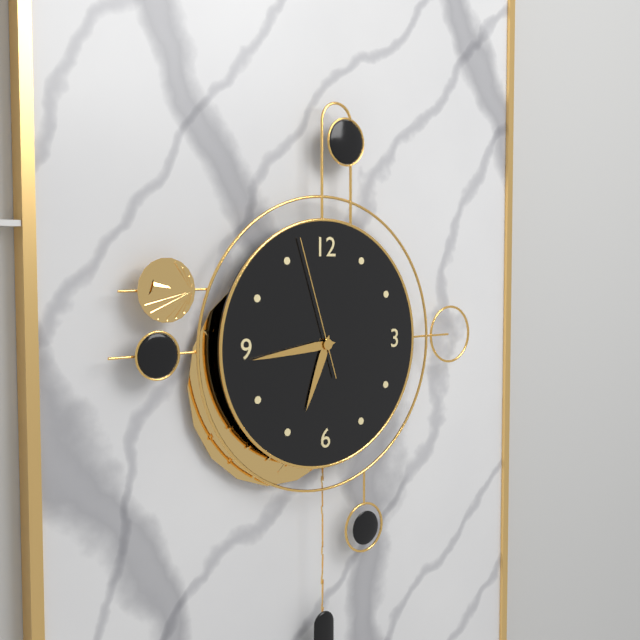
6:44:57
